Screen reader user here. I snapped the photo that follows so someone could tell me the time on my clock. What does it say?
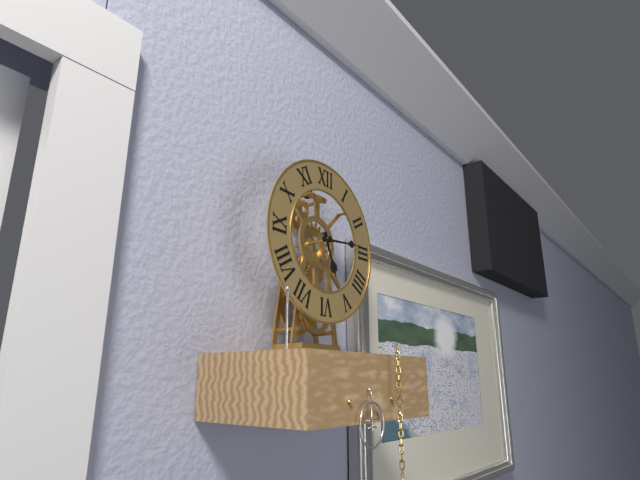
5:14
